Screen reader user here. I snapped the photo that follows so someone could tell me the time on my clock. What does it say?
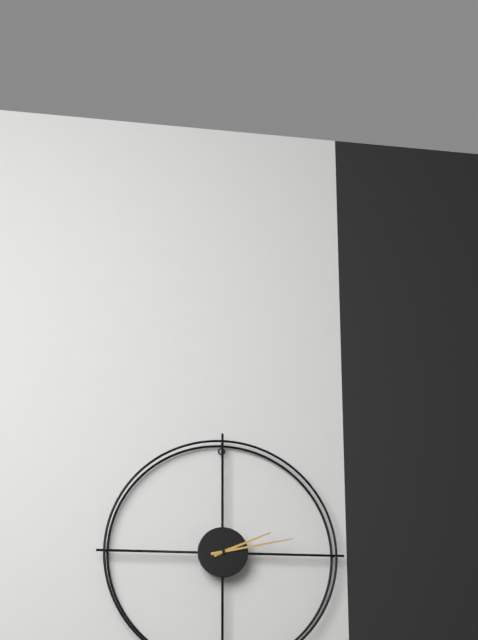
2:13
